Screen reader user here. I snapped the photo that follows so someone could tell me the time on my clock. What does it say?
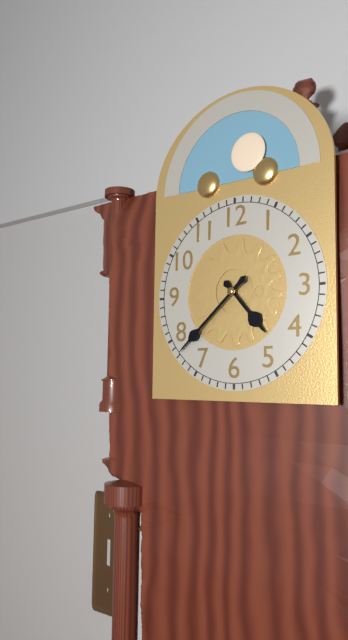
4:38
